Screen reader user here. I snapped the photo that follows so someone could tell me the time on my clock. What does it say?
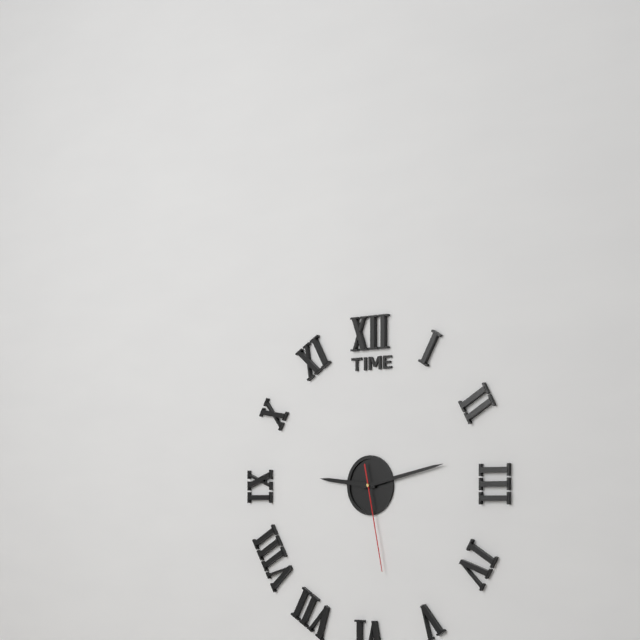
9:13:28
